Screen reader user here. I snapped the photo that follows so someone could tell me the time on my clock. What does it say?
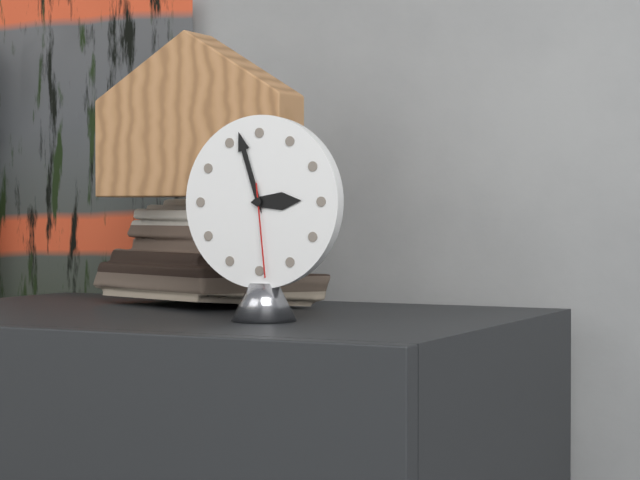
2:57:29
